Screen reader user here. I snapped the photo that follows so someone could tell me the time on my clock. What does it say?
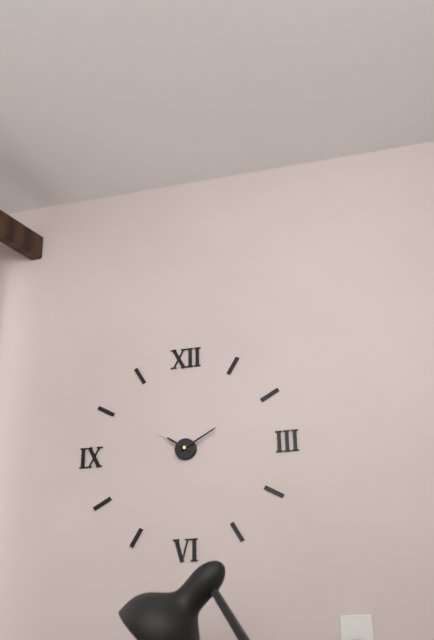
10:10
